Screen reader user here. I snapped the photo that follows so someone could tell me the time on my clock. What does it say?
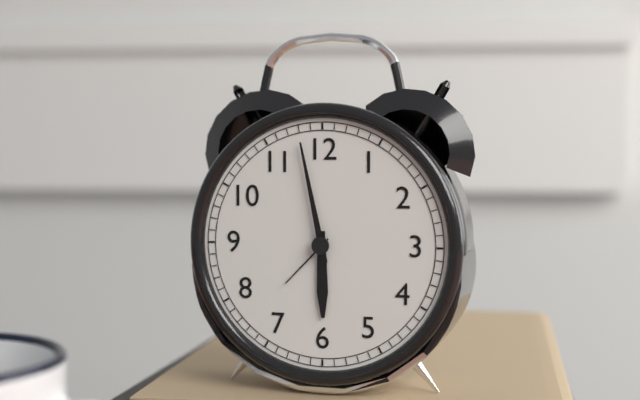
5:58
